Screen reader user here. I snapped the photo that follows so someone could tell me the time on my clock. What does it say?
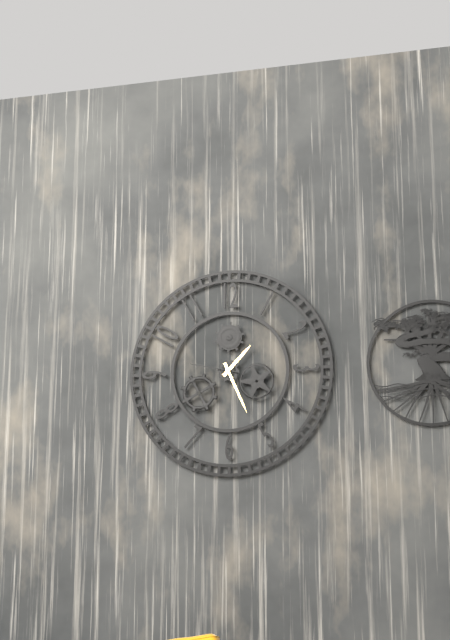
1:26:47
